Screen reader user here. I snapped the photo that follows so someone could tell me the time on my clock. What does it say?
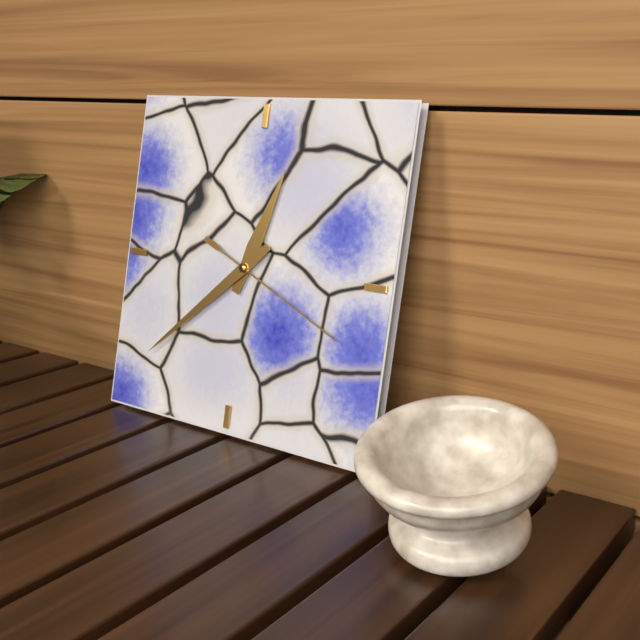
12:38:19
